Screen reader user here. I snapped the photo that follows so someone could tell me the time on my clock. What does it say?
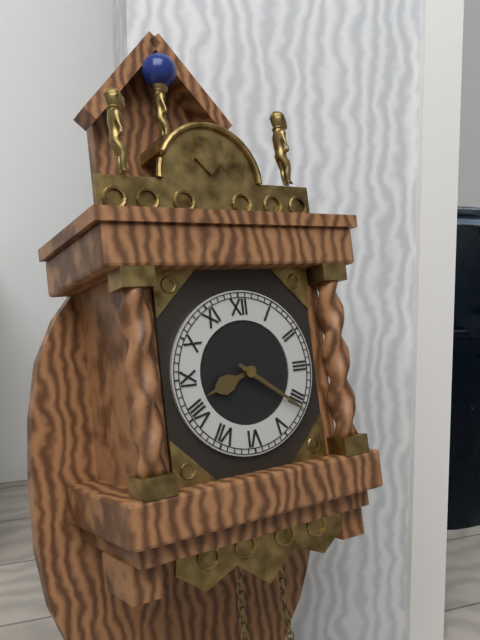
8:21
